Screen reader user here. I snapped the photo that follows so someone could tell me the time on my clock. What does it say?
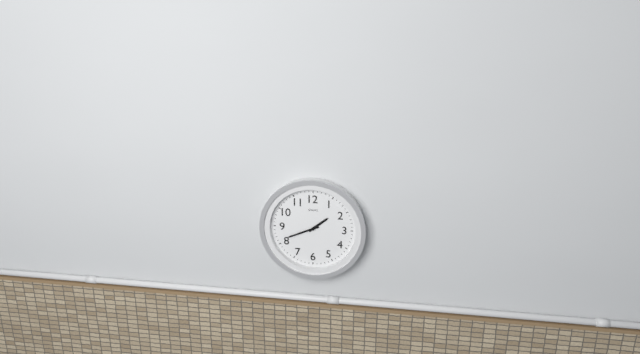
1:41
